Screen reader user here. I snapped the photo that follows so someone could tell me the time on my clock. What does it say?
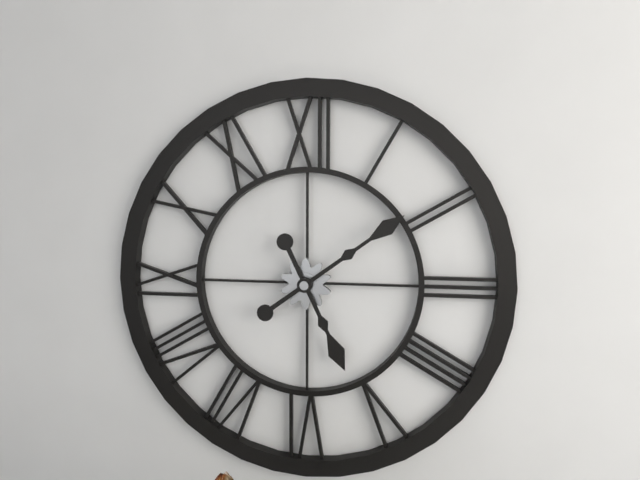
5:09
